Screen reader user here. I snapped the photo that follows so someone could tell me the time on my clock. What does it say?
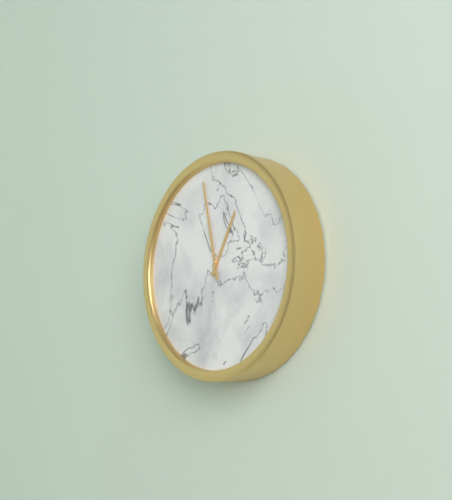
12:58
